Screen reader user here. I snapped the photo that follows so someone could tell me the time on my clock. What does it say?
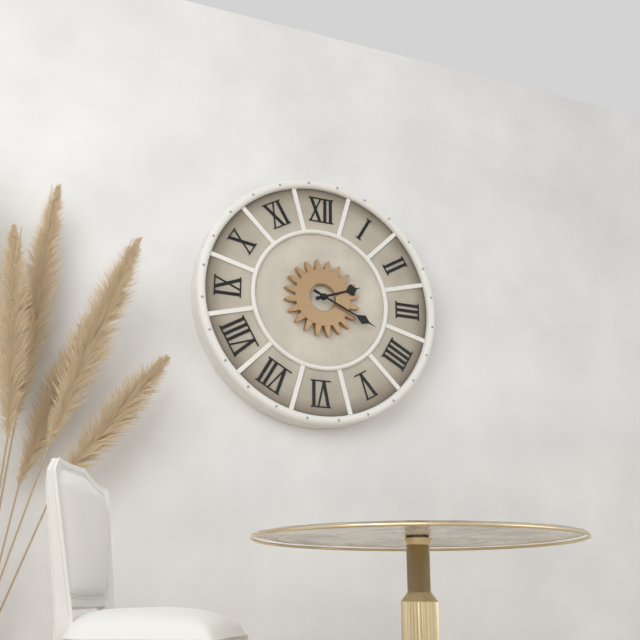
2:19
